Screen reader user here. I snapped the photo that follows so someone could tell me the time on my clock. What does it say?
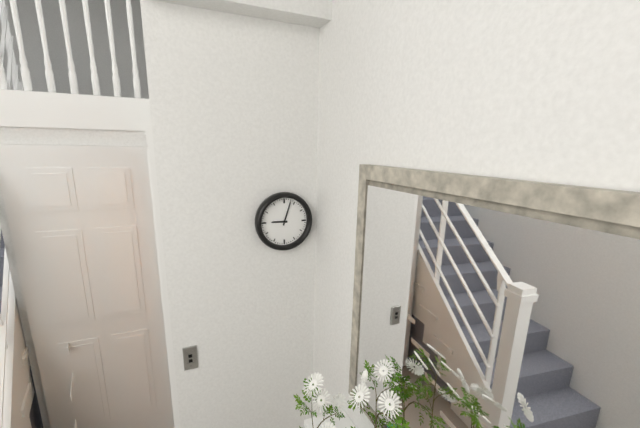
9:03
